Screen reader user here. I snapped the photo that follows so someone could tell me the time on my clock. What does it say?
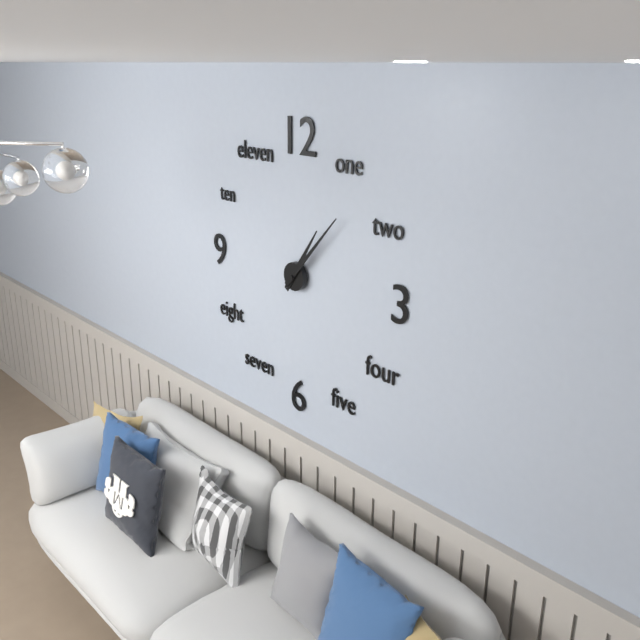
1:07
